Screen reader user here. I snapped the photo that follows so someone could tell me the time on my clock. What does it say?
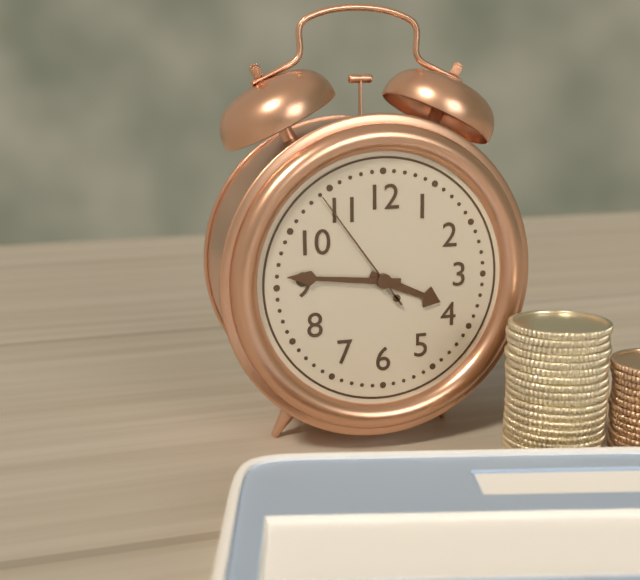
3:46:54
